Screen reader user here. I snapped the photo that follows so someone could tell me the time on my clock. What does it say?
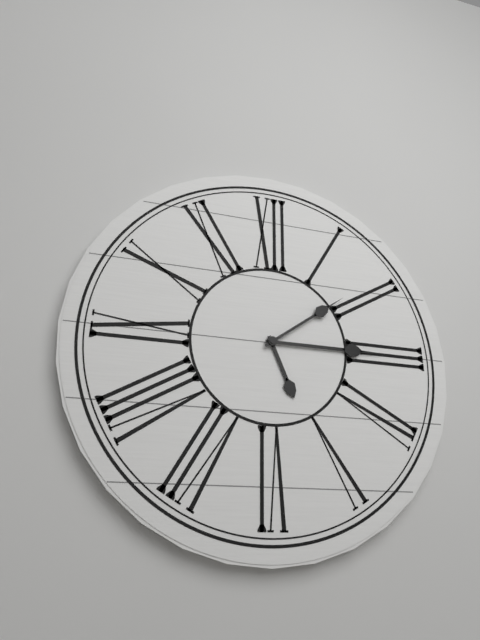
5:15:09
